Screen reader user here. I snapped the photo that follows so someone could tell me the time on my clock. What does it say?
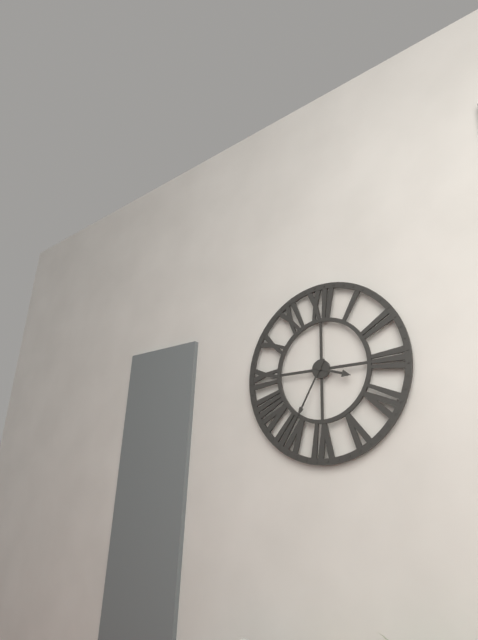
3:35
